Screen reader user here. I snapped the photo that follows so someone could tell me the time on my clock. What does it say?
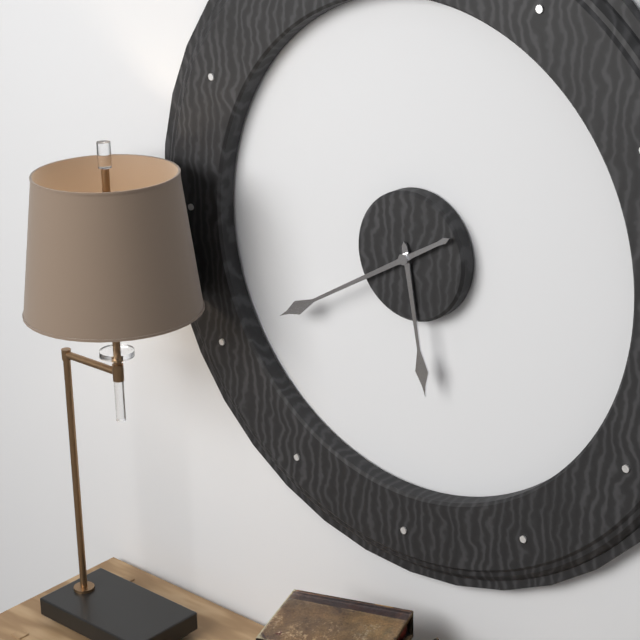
5:40
